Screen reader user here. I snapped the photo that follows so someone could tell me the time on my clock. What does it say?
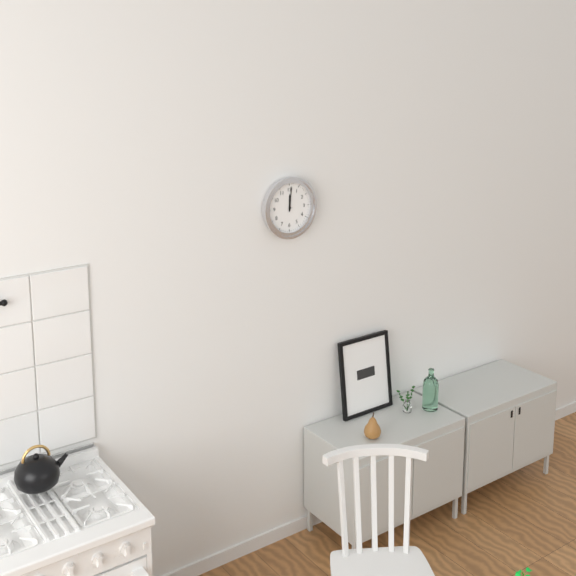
12:01
